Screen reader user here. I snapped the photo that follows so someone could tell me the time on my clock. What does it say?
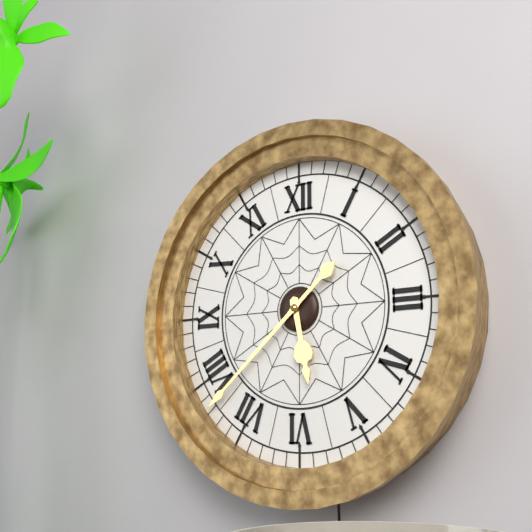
5:38
